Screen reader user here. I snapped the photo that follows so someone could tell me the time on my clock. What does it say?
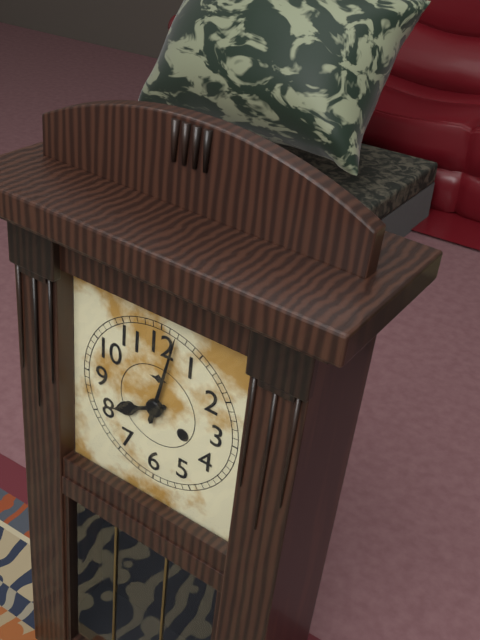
8:02
